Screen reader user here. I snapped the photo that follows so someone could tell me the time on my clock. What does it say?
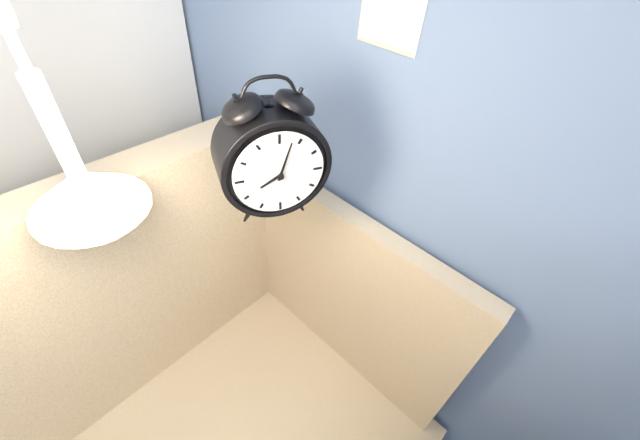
8:03
